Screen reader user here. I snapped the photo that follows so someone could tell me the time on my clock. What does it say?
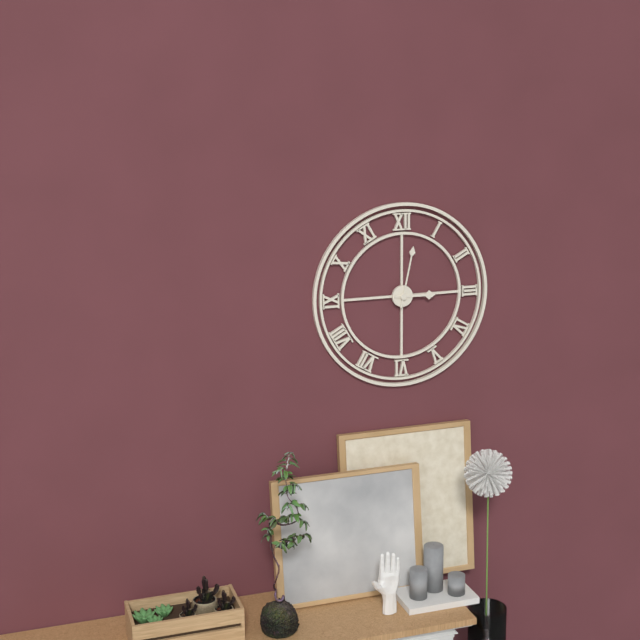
3:02
